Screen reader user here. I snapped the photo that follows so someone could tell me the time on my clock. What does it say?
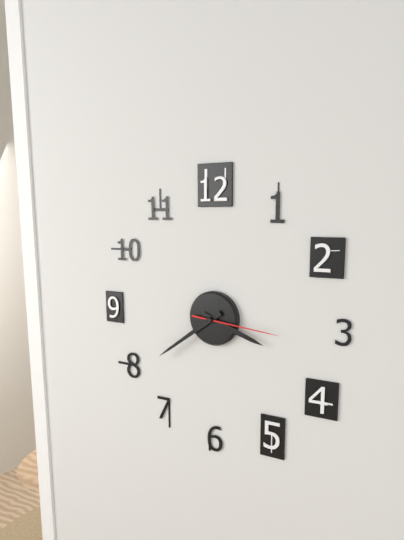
3:39:16
